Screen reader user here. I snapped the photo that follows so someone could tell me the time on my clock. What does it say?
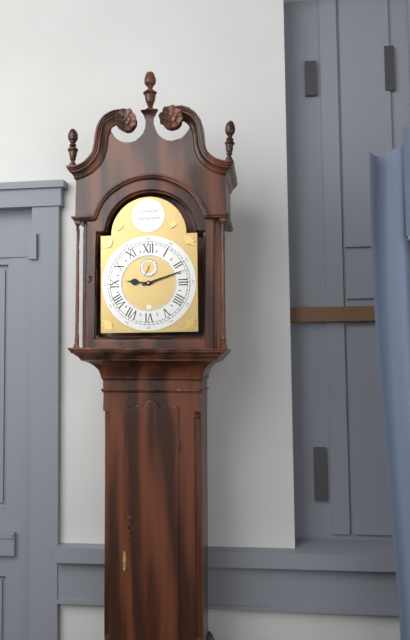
9:12
